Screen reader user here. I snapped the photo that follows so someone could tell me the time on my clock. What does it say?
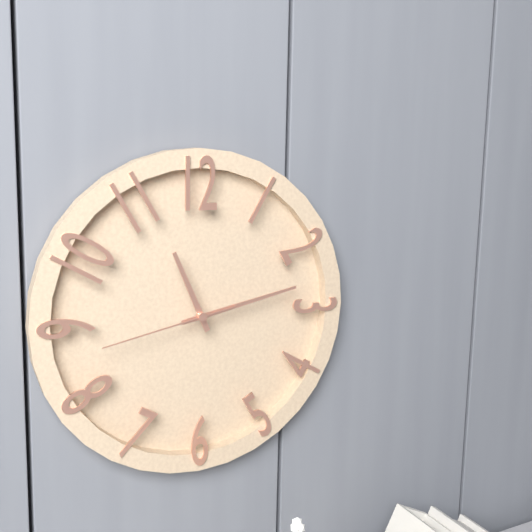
11:13:43
